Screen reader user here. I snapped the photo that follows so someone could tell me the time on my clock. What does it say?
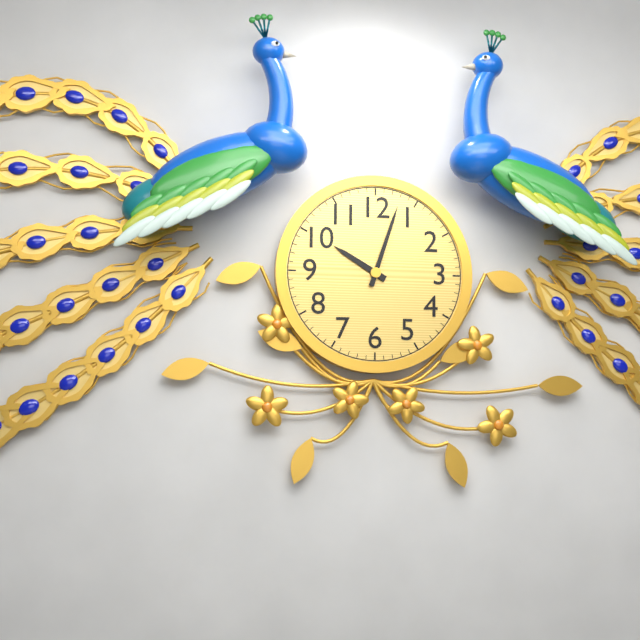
10:03
